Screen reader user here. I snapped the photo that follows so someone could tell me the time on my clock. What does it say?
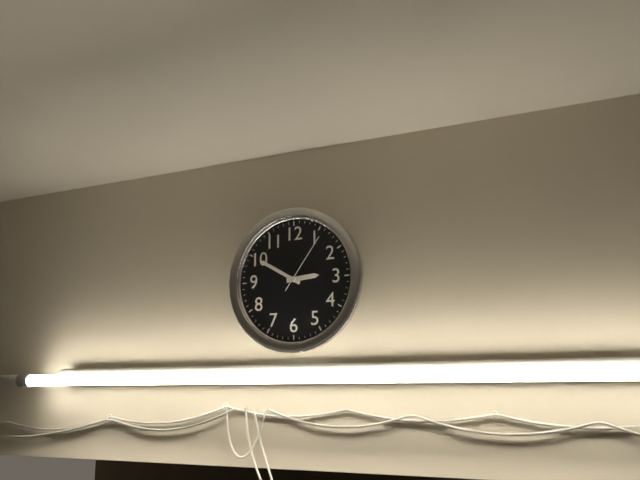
2:50:06
